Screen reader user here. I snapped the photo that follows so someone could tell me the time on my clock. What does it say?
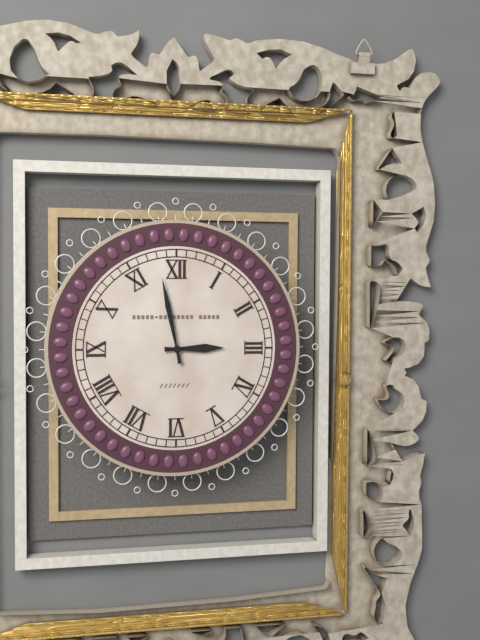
2:58
